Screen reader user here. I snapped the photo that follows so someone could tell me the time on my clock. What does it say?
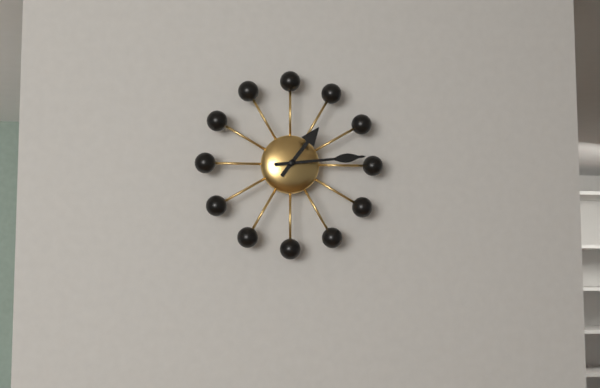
1:14
